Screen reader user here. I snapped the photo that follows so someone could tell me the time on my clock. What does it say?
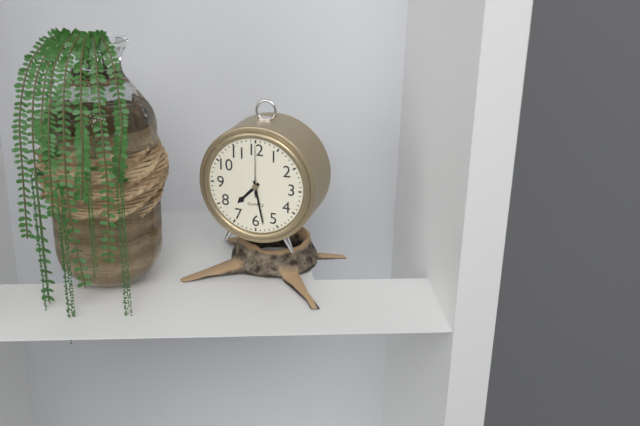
7:28:00
